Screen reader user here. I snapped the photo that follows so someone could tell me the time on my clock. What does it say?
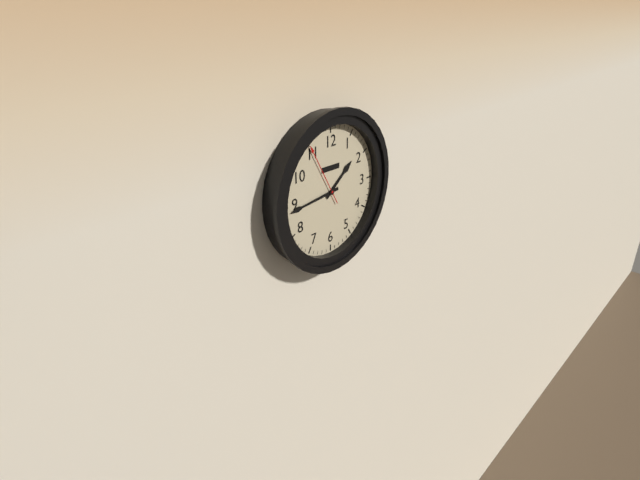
1:44:55
